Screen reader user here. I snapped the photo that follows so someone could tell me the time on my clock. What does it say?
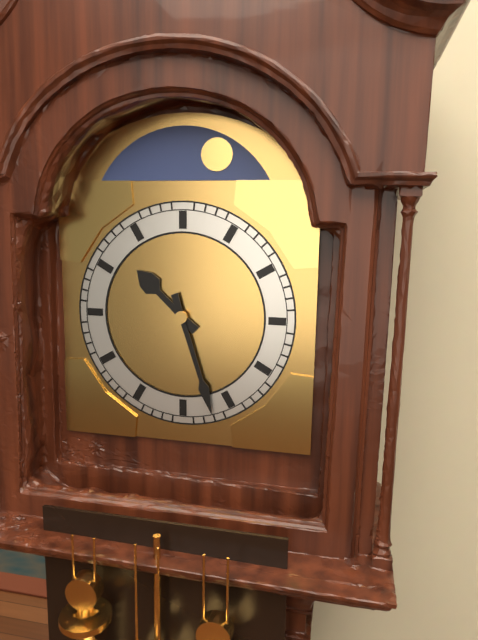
10:27
